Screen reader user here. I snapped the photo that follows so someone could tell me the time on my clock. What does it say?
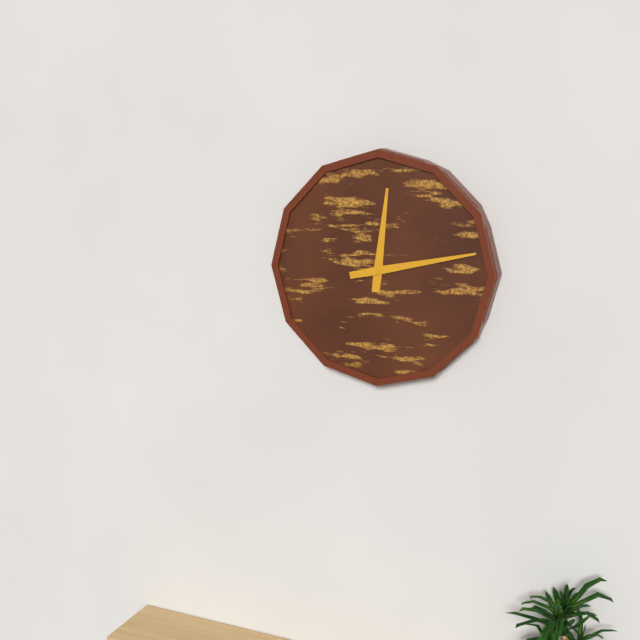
12:13
